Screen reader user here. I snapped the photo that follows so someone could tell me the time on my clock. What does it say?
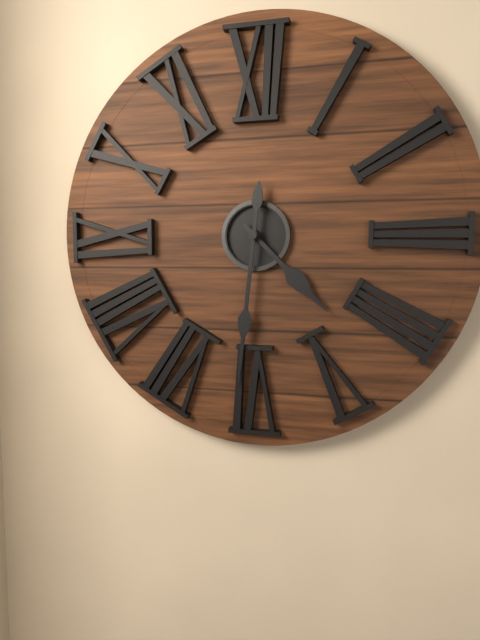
4:31
